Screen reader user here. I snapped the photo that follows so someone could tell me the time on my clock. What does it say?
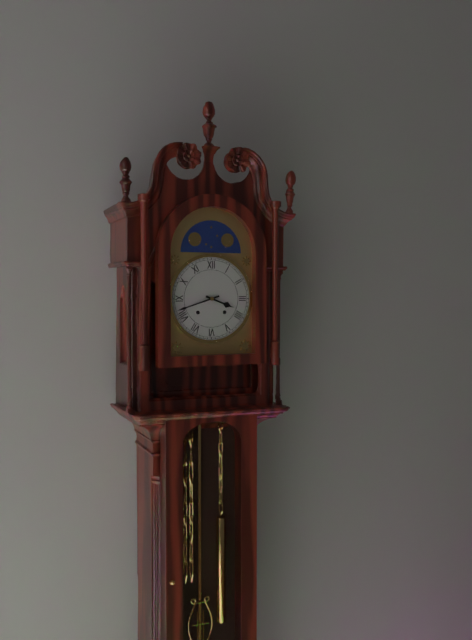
3:42
